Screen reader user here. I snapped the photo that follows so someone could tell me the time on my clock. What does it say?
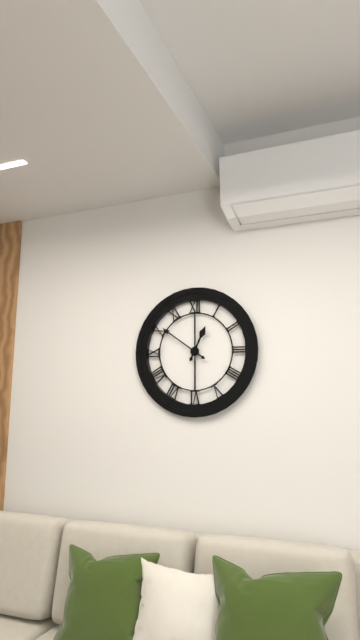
12:51
